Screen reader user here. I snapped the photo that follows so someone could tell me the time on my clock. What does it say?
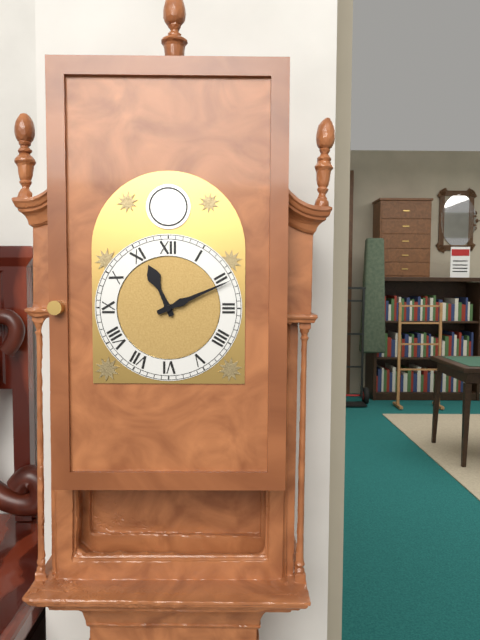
11:11
